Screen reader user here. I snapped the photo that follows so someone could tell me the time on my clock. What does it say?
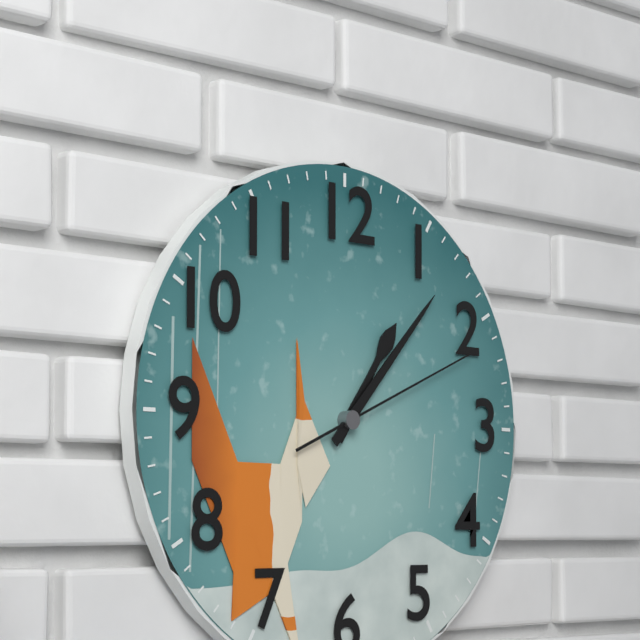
1:07:11
